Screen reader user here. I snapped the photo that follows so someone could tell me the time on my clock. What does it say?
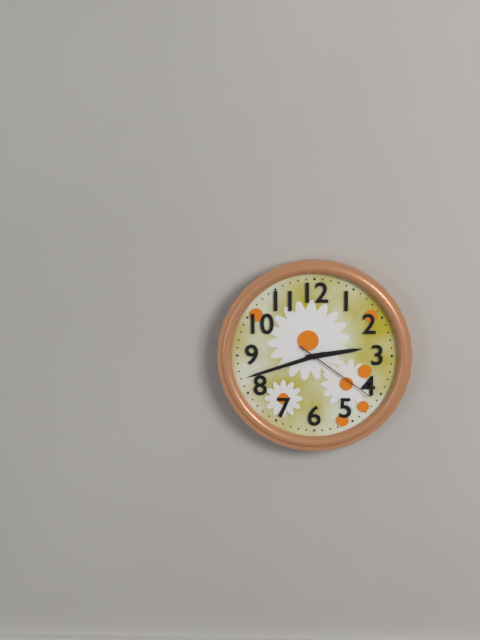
2:42:21
